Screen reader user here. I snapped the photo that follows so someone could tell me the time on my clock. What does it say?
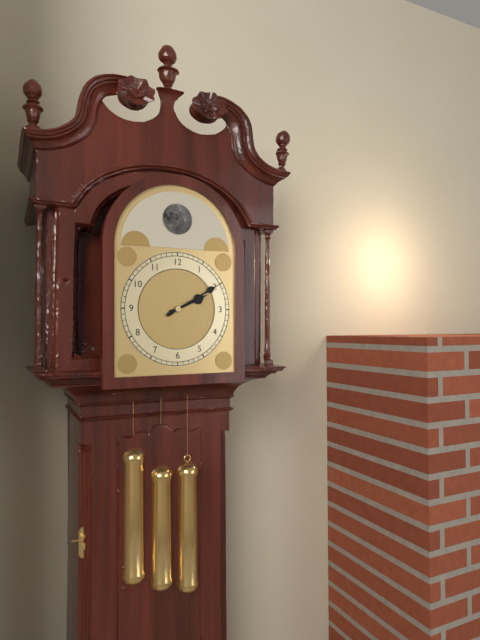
2:10
